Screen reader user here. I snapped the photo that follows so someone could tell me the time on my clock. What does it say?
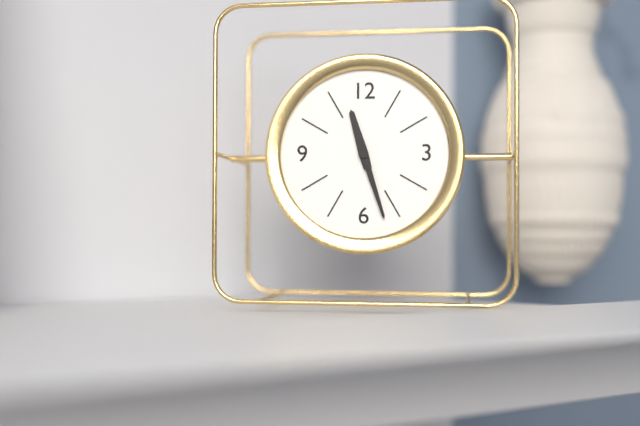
11:27
